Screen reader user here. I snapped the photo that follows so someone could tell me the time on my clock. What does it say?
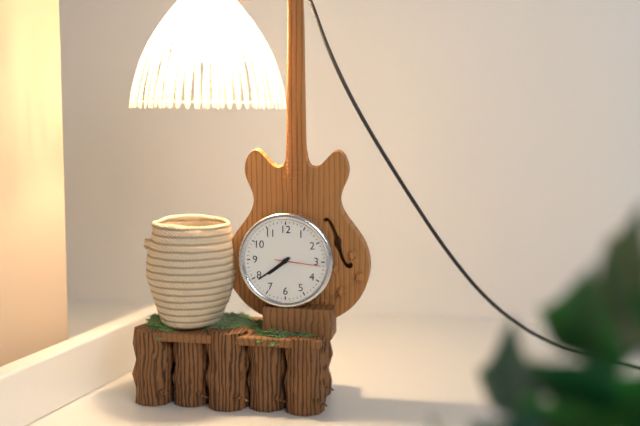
7:39
